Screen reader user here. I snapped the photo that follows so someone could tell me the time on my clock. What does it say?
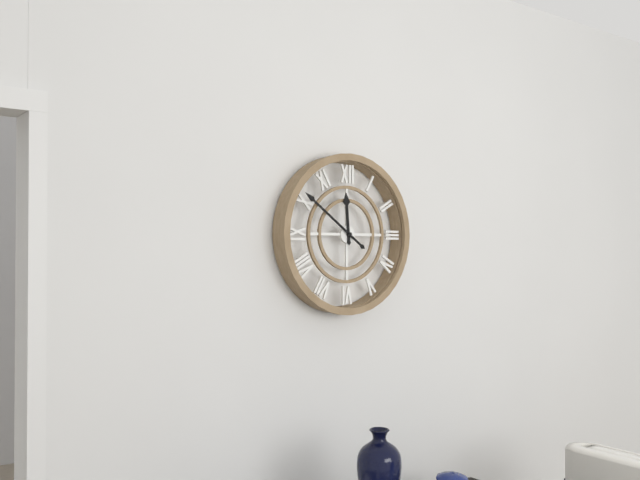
11:51
